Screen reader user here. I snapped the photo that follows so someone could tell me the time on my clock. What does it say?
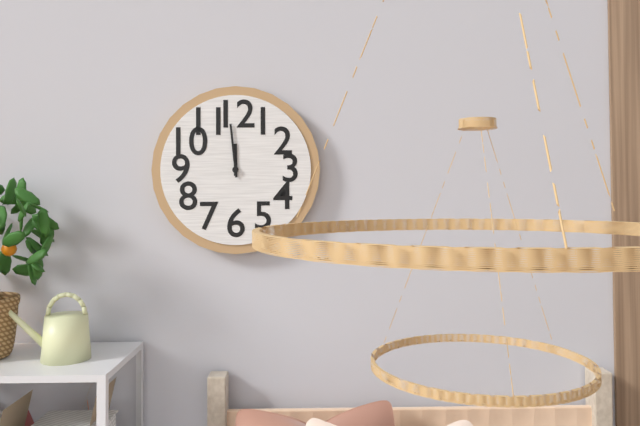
11:59
